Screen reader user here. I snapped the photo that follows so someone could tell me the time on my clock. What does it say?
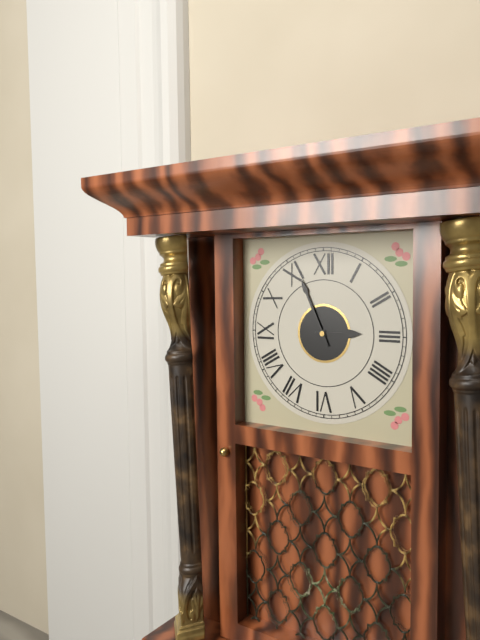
2:56
